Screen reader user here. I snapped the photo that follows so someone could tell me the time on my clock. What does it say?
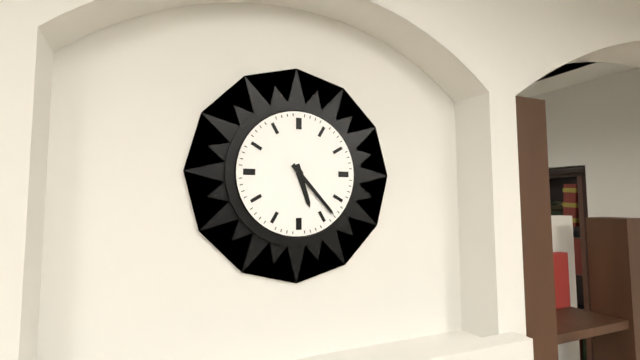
5:23
